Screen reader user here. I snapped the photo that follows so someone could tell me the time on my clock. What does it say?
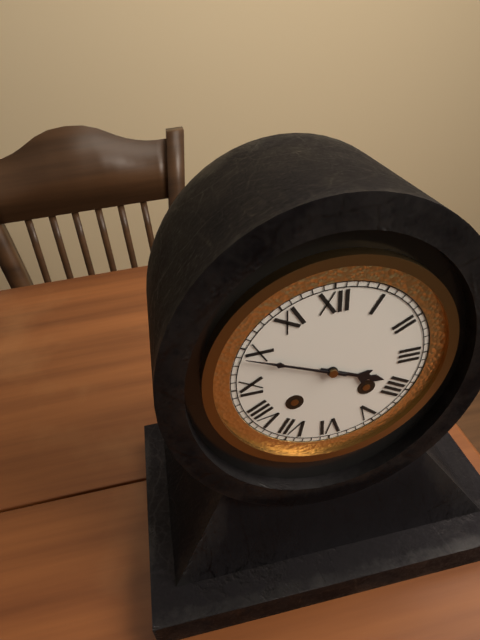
3:49
